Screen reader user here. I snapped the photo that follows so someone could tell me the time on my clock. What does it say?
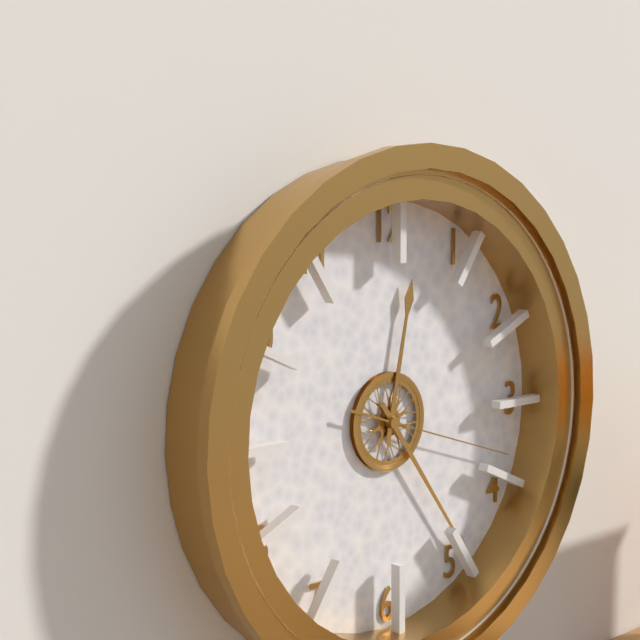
12:24:18
